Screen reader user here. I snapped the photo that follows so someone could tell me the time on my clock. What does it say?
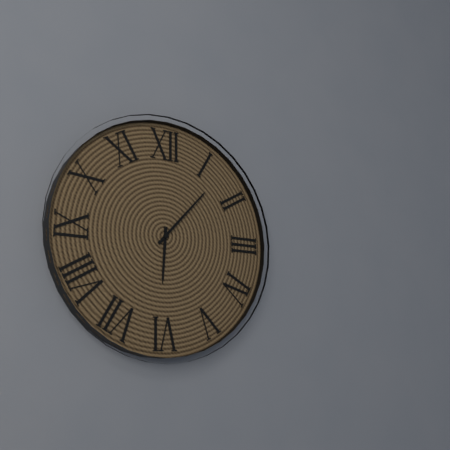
6:07
